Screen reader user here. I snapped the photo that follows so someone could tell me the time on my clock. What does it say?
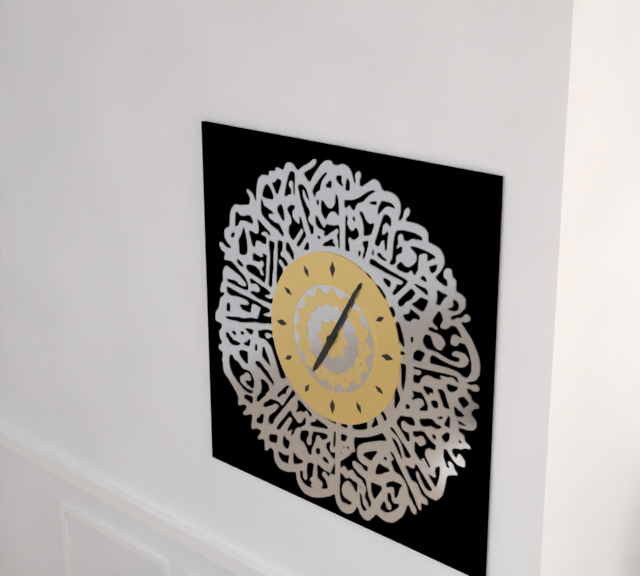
7:05
